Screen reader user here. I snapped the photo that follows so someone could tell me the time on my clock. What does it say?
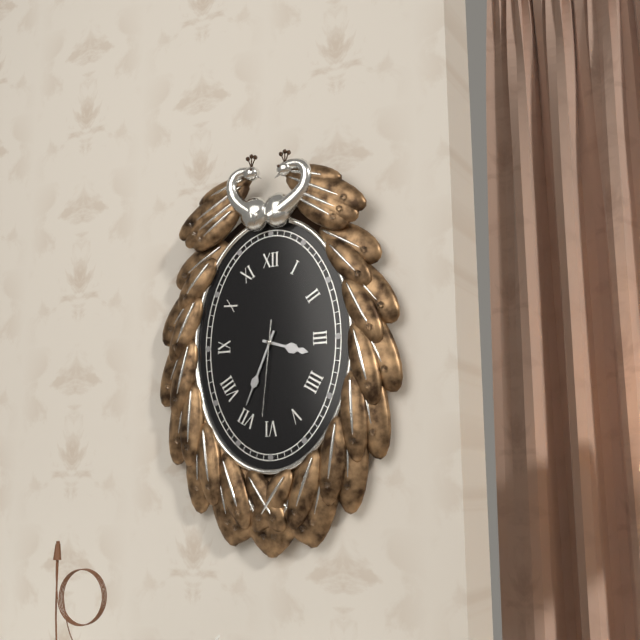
3:34:31
